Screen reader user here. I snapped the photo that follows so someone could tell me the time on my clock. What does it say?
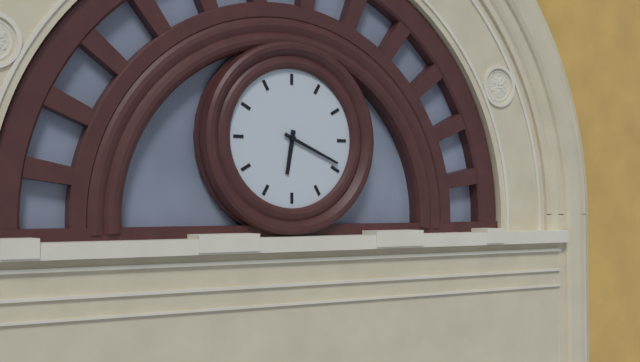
6:19
